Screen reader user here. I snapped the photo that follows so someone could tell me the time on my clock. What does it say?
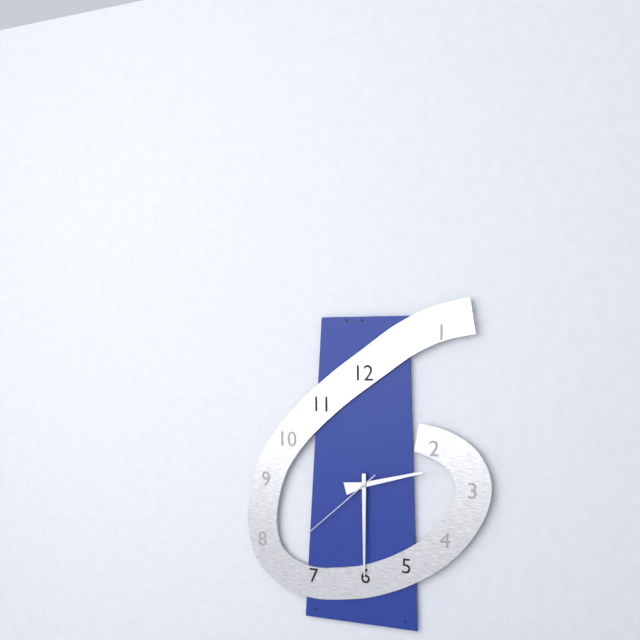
2:30:38
